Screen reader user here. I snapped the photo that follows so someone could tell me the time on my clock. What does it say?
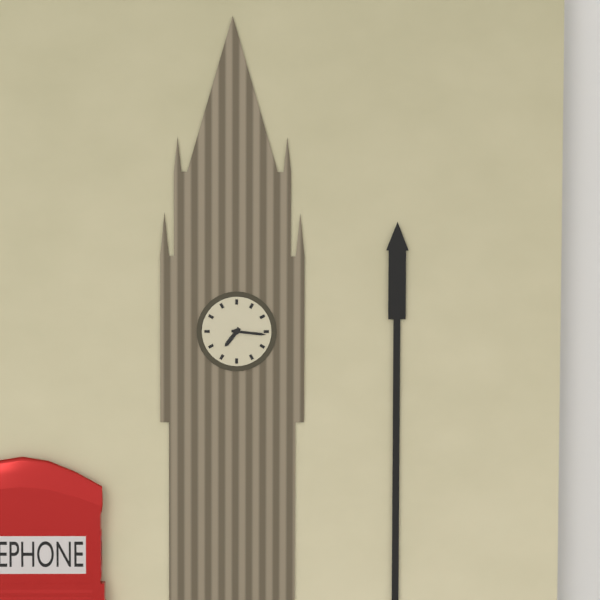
7:16
